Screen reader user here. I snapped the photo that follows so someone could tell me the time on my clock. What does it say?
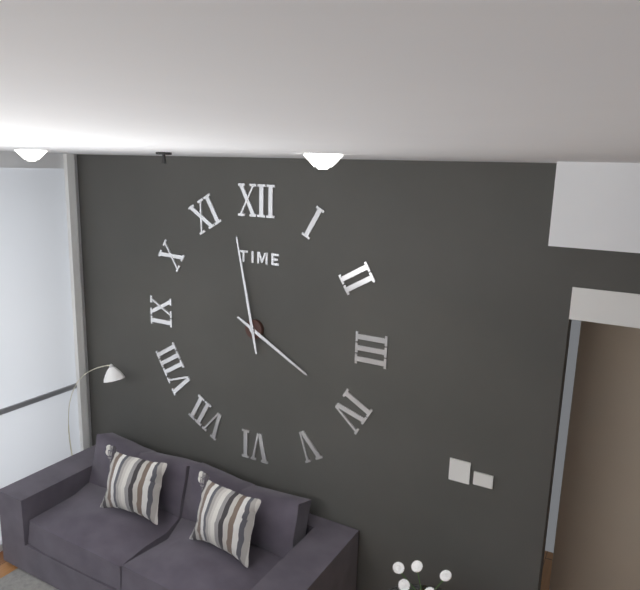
3:58
